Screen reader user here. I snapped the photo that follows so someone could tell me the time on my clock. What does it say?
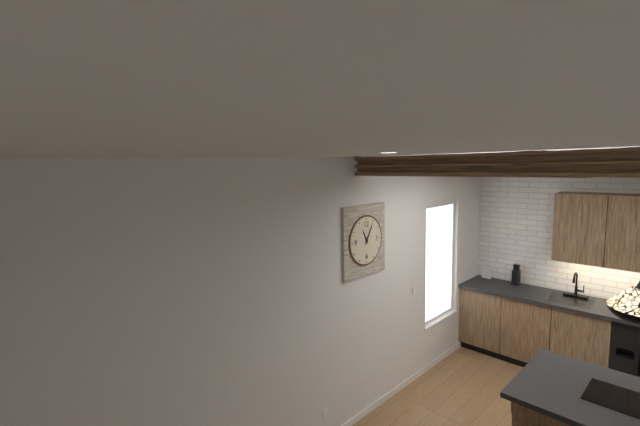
11:05
